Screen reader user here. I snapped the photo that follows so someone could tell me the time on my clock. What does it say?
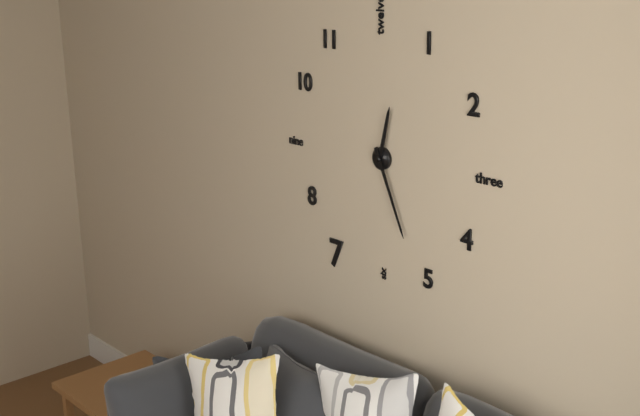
12:26
